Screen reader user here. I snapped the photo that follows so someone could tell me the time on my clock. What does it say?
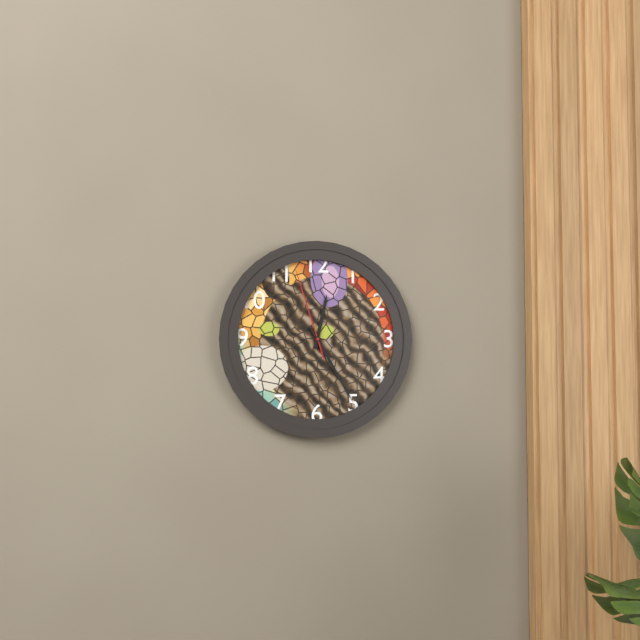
12:25:57
